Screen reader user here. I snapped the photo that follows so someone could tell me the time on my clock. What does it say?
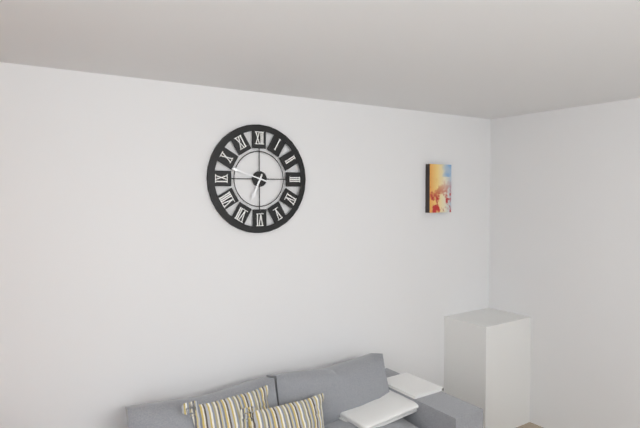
6:48
